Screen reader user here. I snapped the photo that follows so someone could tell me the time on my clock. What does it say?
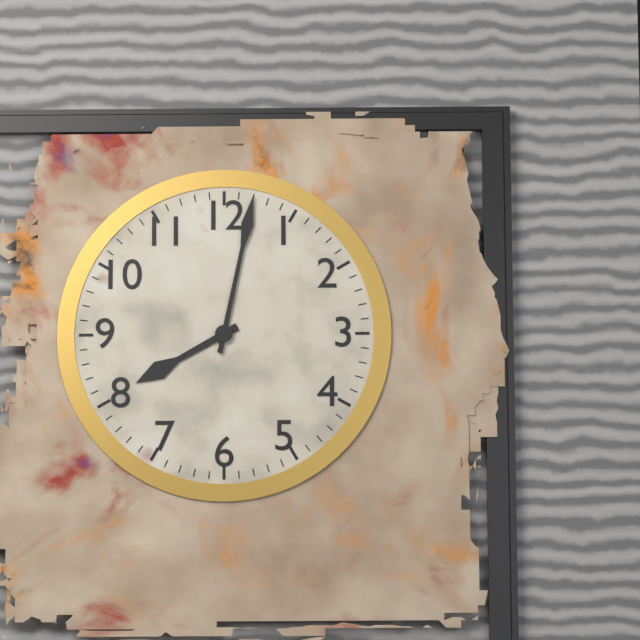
8:02
